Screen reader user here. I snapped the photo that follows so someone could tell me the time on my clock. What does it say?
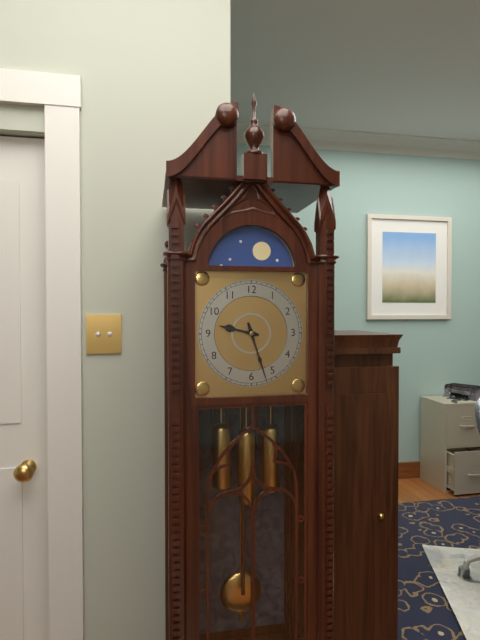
9:27
